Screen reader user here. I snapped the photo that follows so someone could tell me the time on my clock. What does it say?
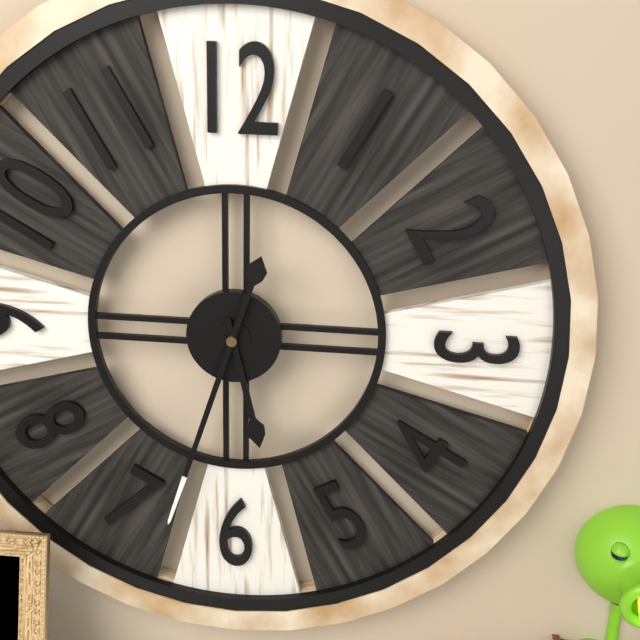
5:33
